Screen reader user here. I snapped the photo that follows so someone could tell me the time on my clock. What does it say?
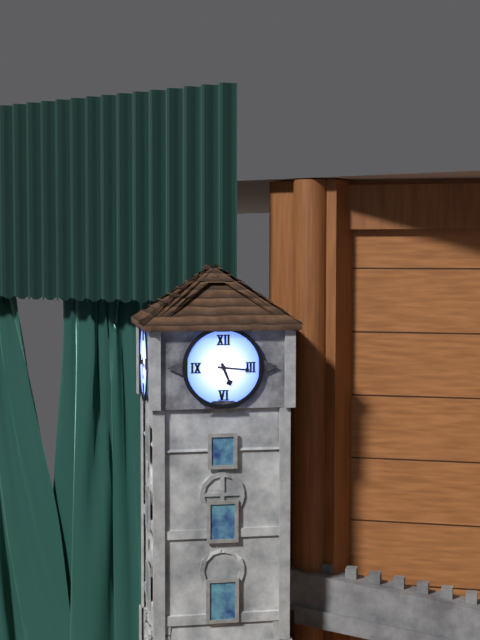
5:16
